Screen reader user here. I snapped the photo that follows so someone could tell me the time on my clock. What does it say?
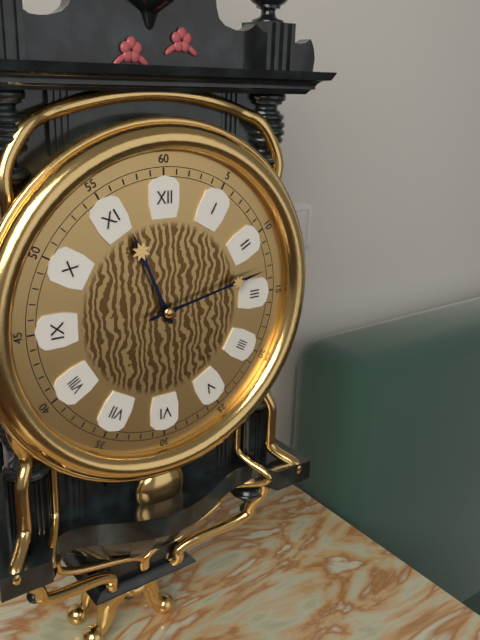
11:13
